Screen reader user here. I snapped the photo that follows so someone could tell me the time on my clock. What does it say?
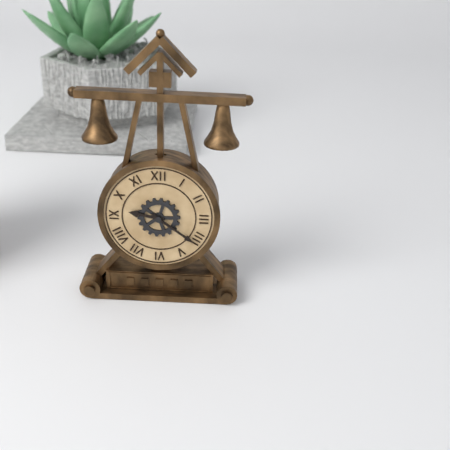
9:21
